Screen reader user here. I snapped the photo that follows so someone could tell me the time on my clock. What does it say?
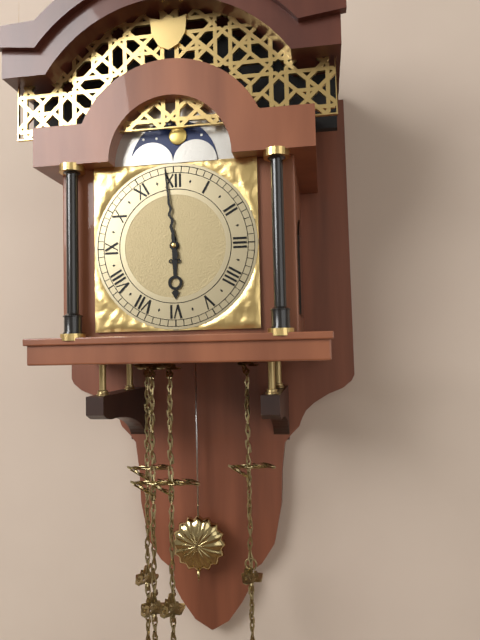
5:59
